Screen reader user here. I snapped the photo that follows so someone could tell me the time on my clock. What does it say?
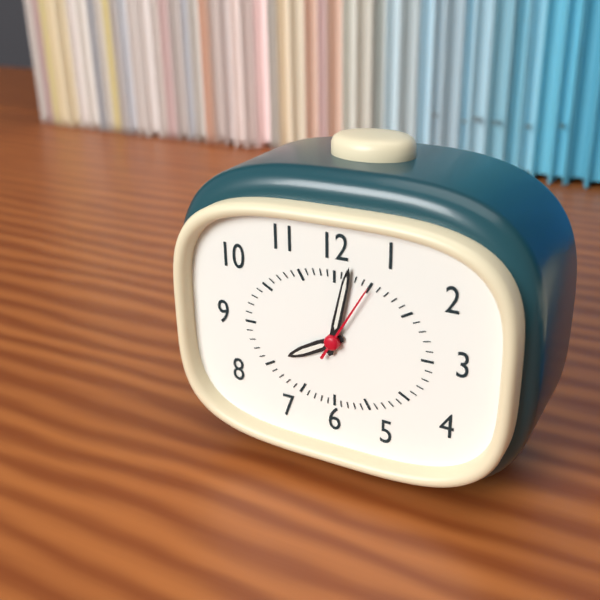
8:02:05
